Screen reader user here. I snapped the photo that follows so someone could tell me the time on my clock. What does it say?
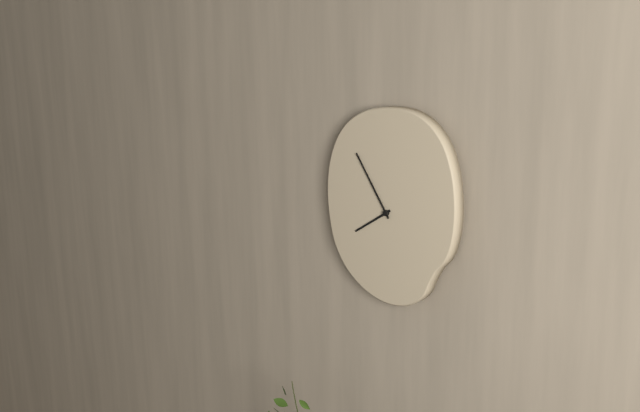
7:54
